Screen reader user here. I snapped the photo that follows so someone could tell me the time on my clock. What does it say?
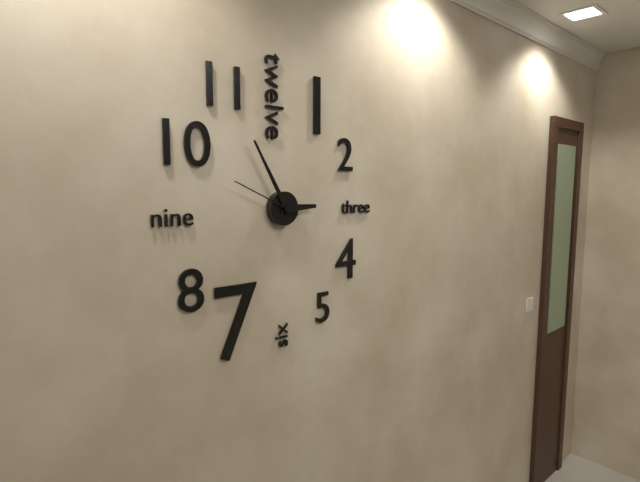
2:55:49
